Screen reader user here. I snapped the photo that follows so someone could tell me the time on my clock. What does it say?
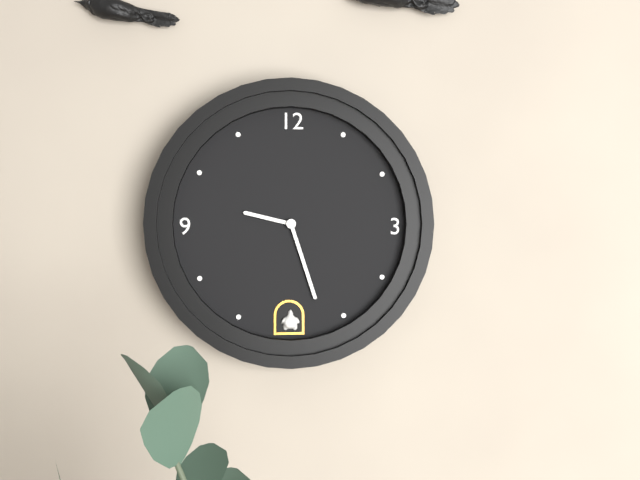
9:27
